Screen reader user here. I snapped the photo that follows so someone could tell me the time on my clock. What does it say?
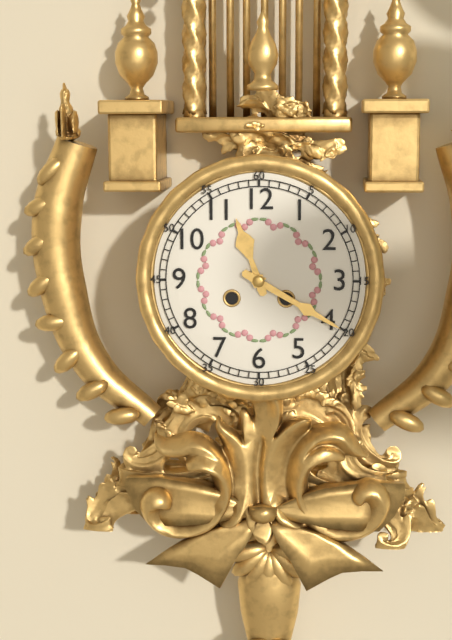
11:20
